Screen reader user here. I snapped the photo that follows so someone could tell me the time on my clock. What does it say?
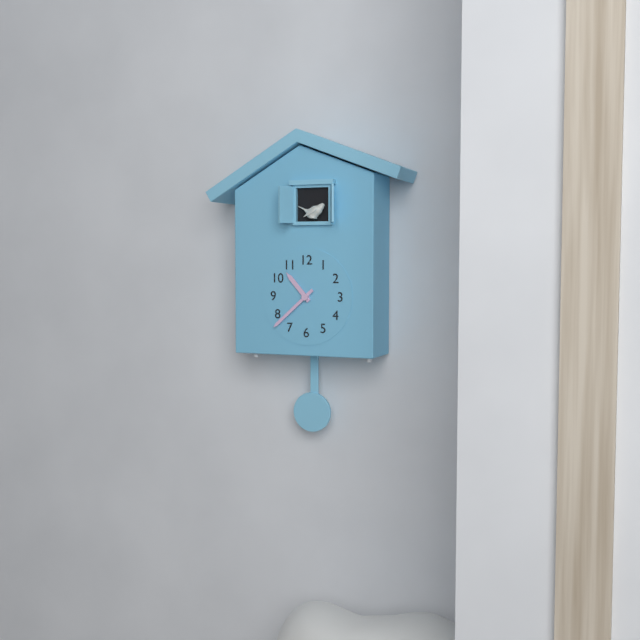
10:38
